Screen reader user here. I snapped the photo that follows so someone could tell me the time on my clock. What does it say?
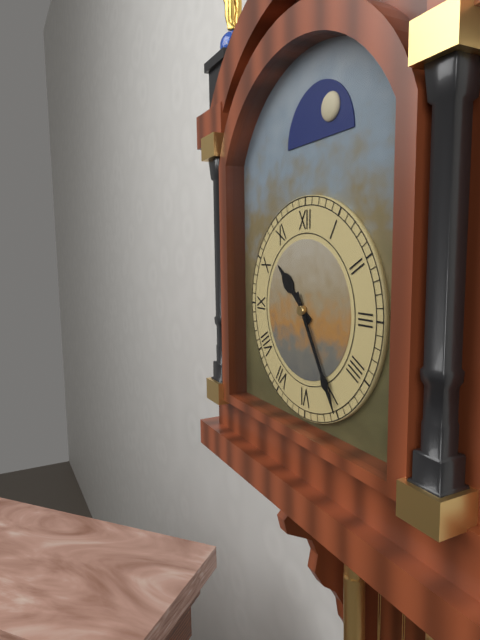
10:25
